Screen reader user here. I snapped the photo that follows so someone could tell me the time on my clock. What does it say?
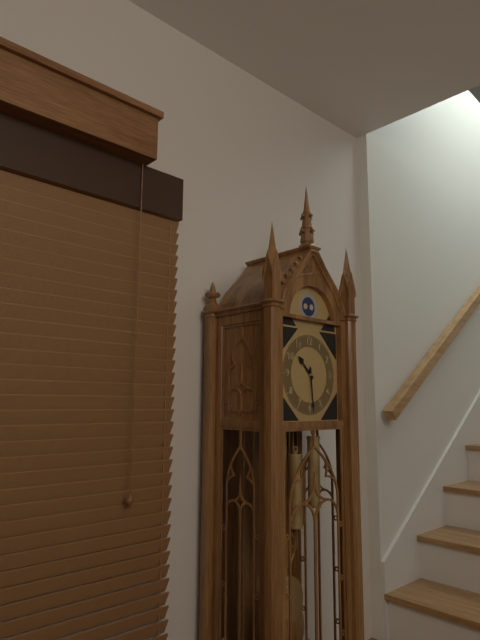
10:29
